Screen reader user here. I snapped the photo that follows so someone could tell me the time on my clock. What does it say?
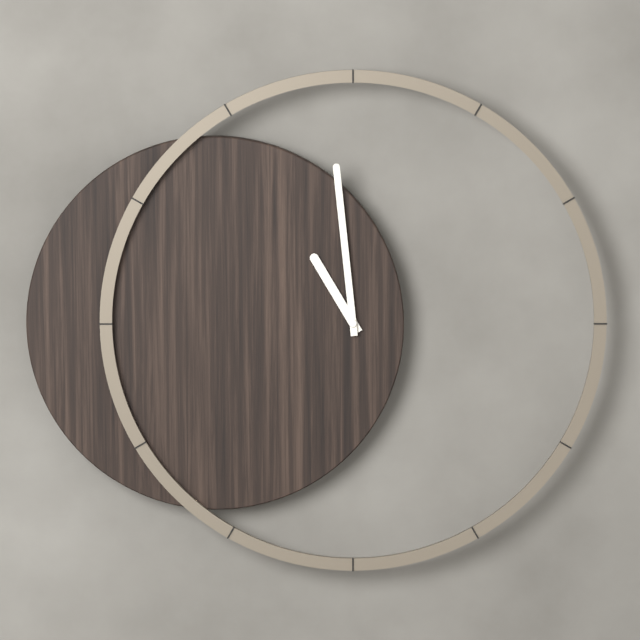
10:59
